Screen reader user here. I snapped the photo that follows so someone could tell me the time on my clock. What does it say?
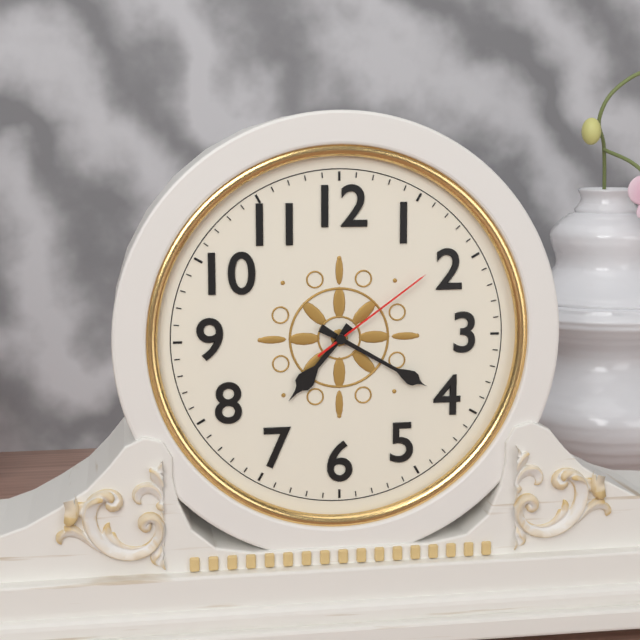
7:20:09
